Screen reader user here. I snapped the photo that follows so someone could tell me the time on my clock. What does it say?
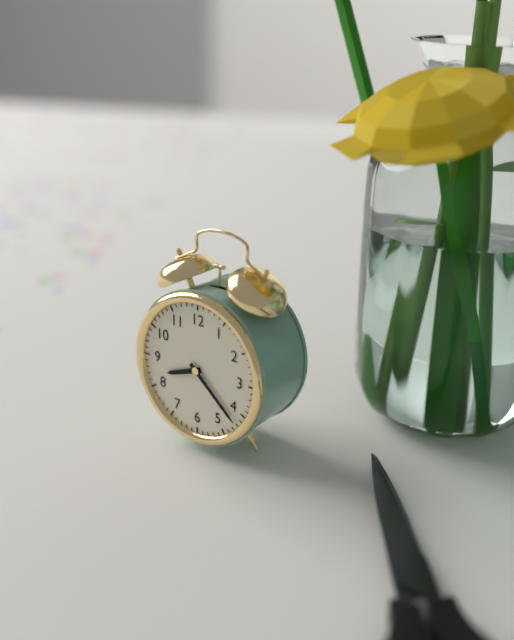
8:22
